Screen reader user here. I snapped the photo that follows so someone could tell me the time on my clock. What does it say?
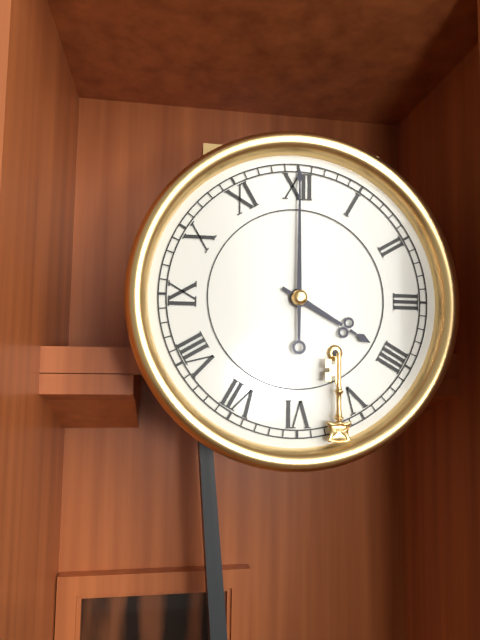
4:00
